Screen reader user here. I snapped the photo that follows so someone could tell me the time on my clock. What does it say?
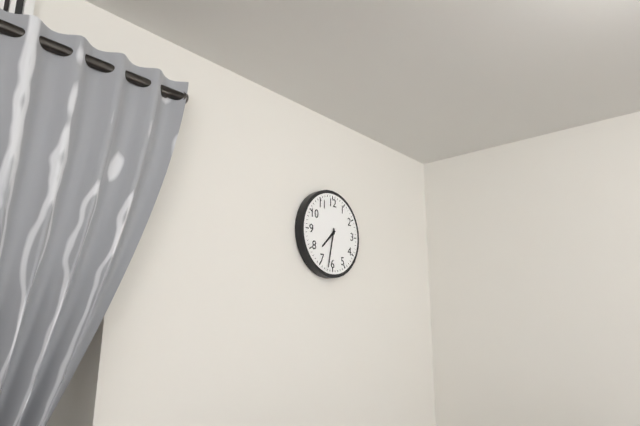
7:32
